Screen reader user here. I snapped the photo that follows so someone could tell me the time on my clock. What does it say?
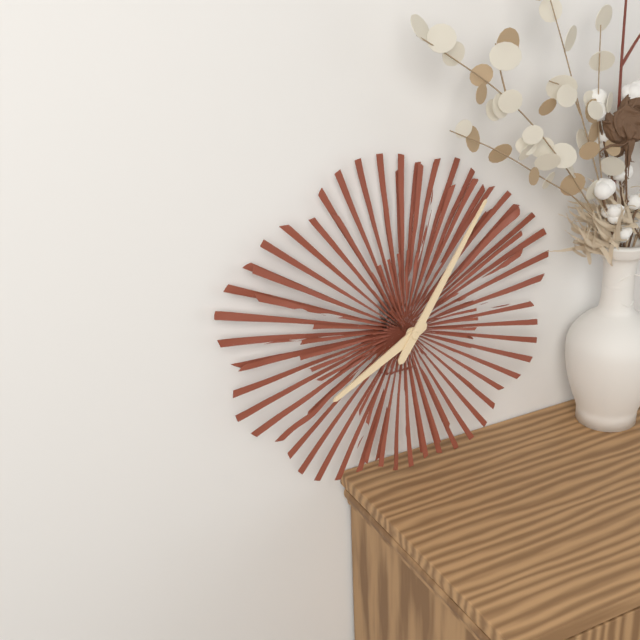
8:06
